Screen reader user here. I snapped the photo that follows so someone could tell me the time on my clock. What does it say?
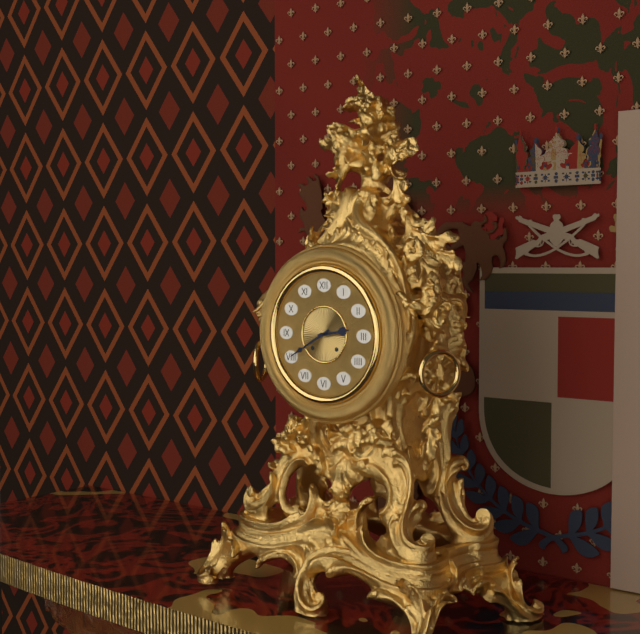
2:40
